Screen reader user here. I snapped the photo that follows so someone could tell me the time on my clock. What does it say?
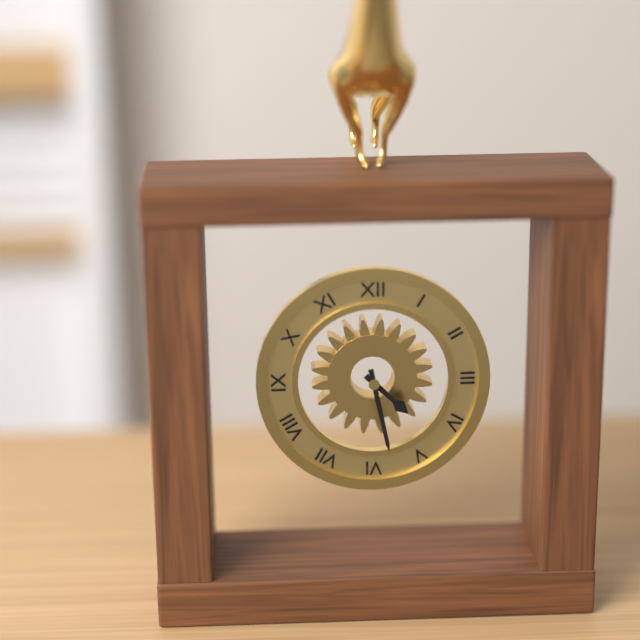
4:28
